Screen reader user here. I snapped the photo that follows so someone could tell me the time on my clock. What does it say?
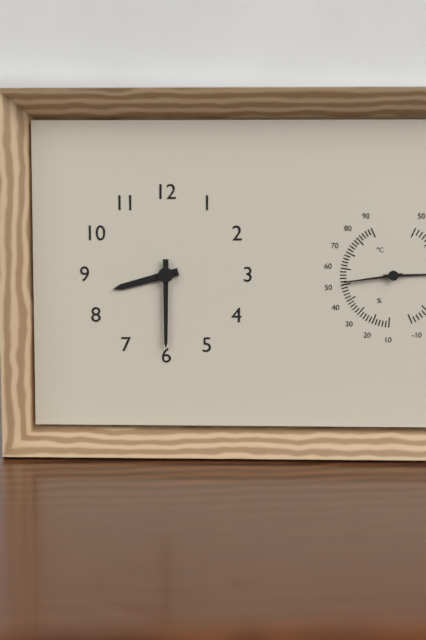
8:30
